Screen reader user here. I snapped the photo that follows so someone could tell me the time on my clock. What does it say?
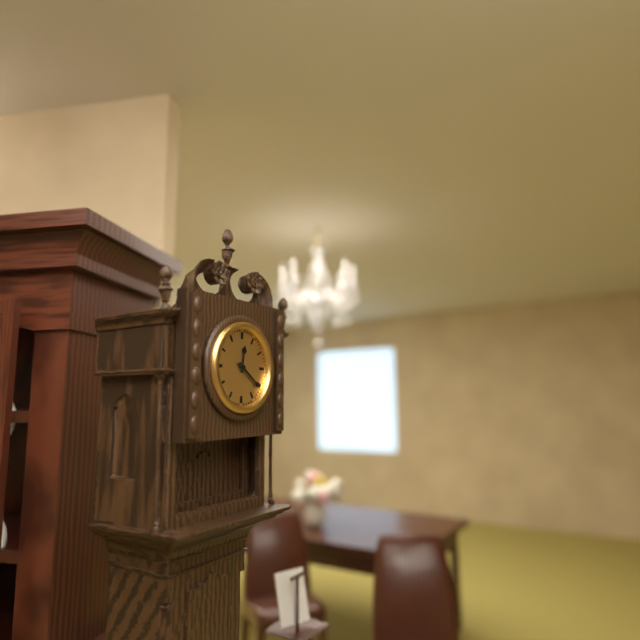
12:21
